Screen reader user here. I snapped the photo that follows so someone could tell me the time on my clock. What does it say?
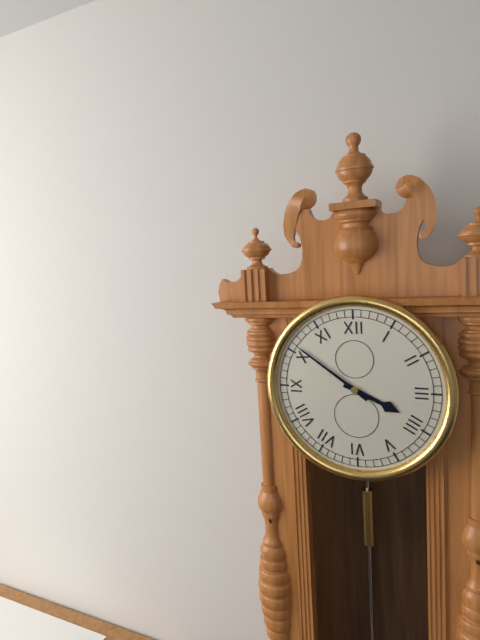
3:51
